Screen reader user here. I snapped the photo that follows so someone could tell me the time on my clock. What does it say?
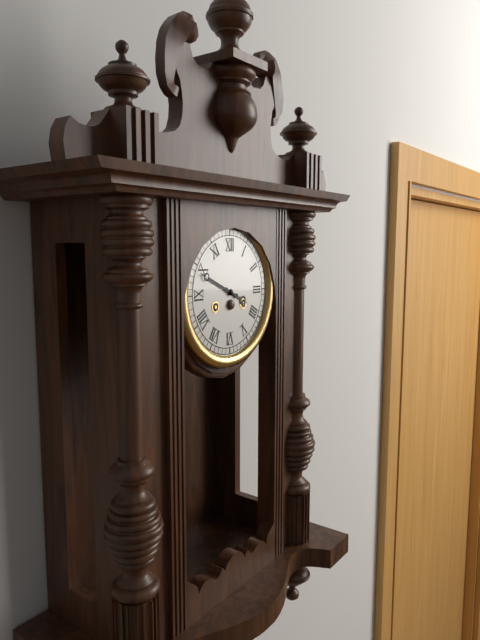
3:49
